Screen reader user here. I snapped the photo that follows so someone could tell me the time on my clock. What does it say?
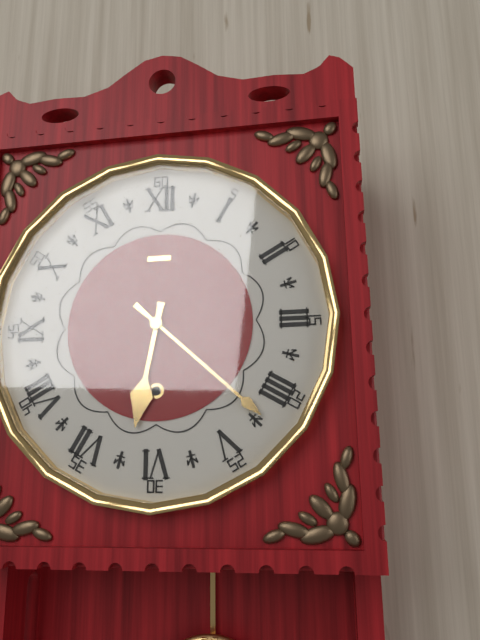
6:22
